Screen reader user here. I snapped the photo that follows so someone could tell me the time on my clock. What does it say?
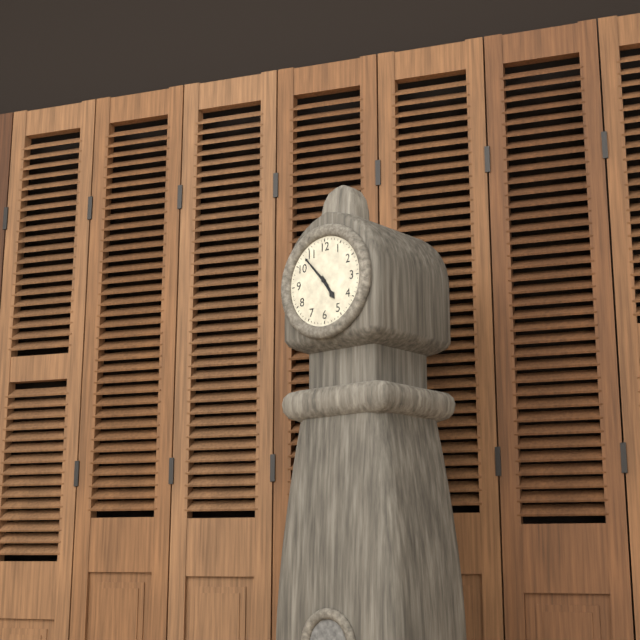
4:53
